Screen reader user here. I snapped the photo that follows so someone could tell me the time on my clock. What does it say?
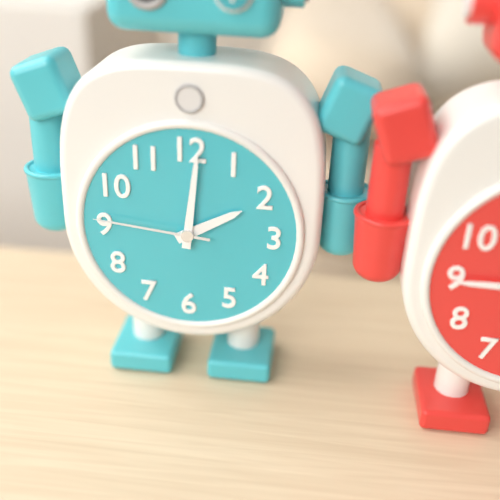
2:01:46
